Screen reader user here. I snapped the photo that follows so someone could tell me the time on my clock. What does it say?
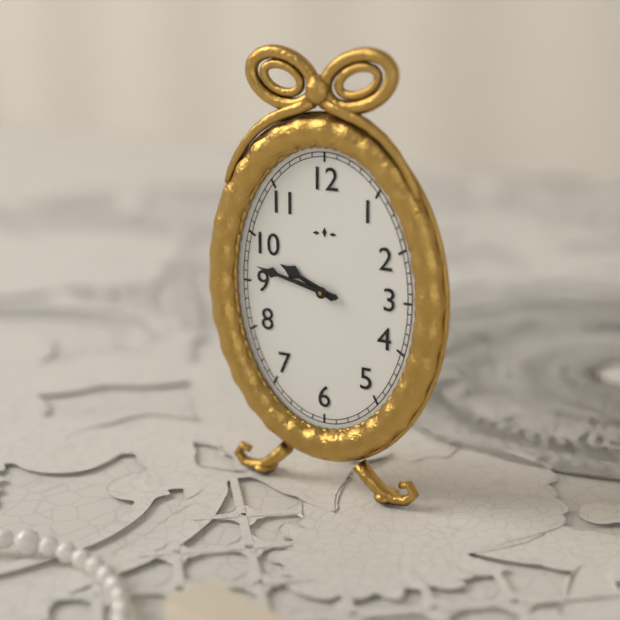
9:47
